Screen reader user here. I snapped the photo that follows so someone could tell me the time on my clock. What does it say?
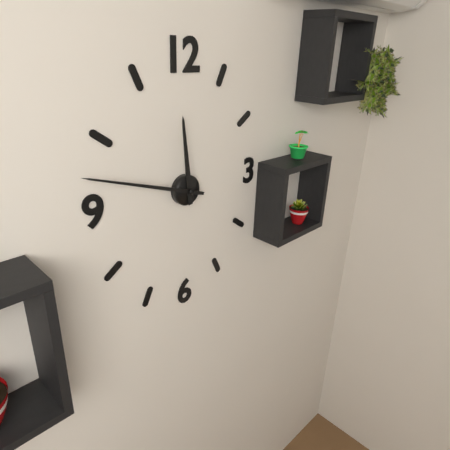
11:48
